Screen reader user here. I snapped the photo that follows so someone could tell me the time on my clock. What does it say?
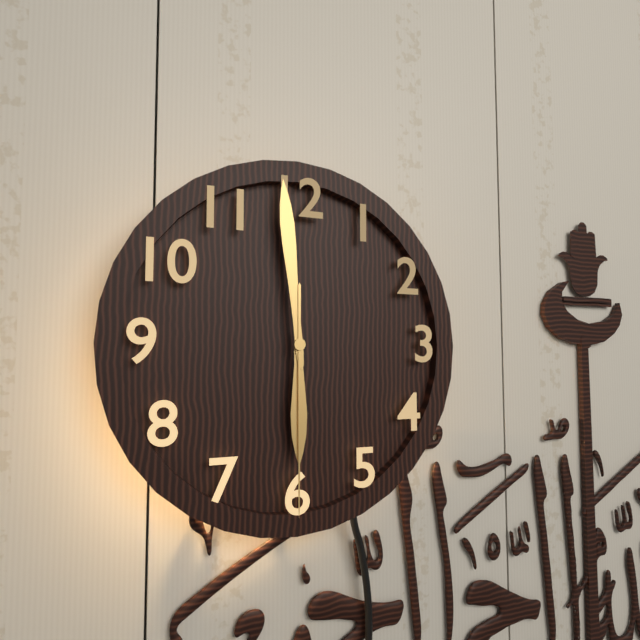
5:59:30
